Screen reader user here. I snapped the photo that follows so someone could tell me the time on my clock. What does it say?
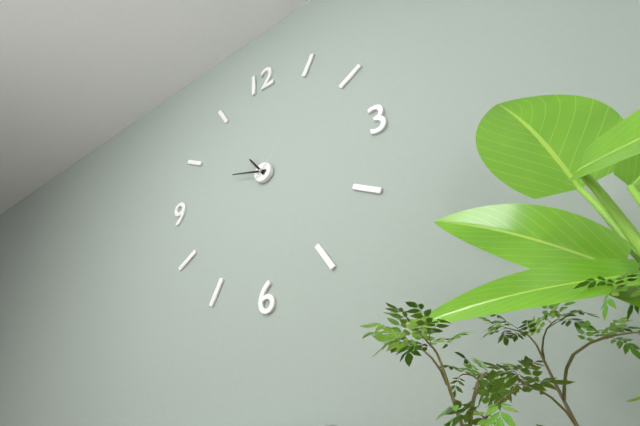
10:48
